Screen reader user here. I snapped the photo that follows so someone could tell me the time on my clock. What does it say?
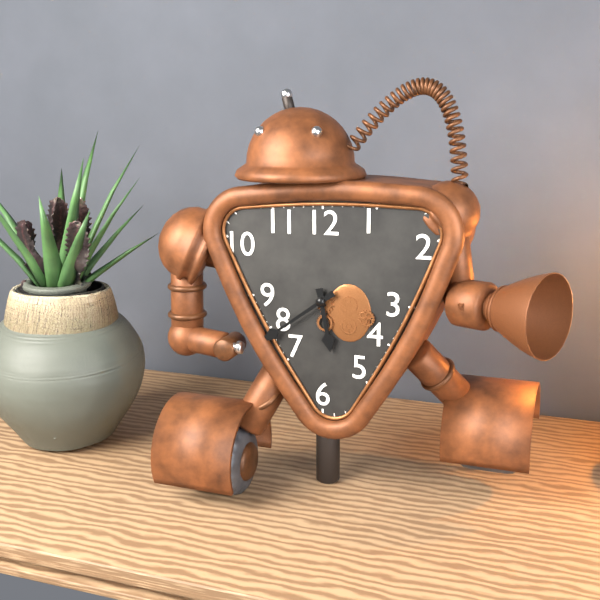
5:39
